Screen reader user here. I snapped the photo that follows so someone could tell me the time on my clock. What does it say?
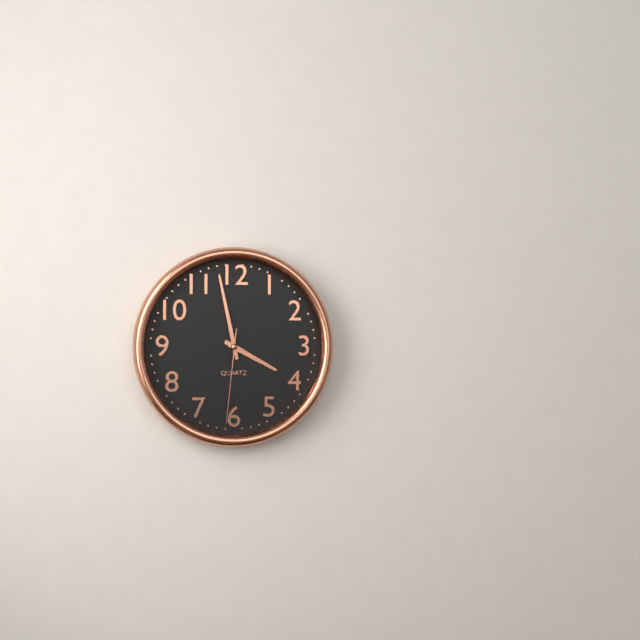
3:58:31
